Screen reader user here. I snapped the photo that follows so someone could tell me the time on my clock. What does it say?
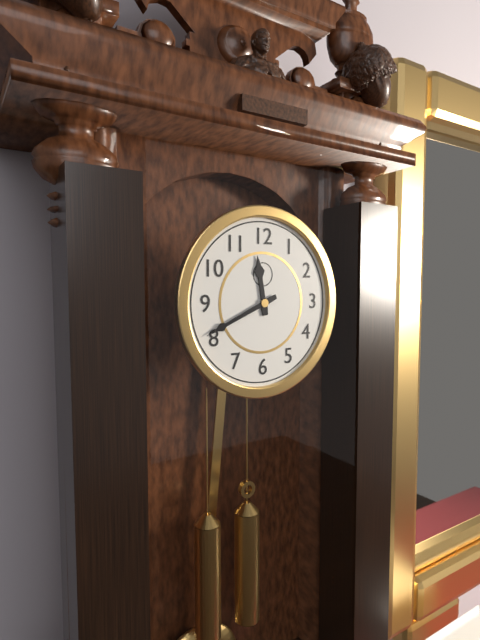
11:41
